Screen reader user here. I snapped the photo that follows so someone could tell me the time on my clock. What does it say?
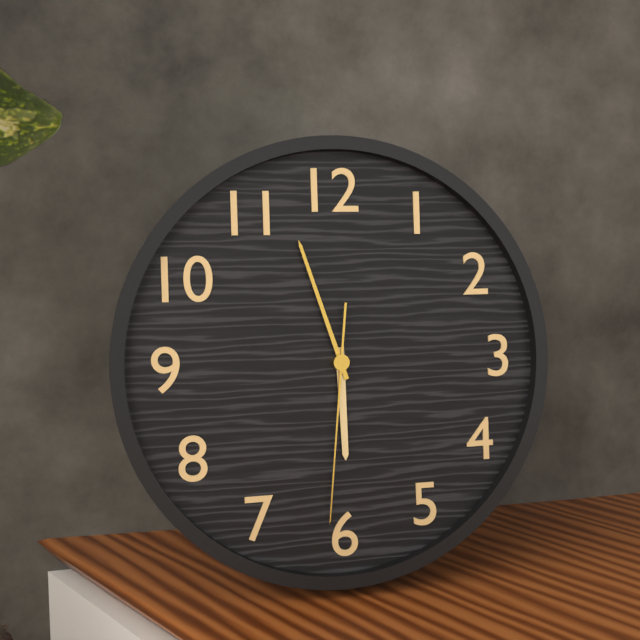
5:57:31
